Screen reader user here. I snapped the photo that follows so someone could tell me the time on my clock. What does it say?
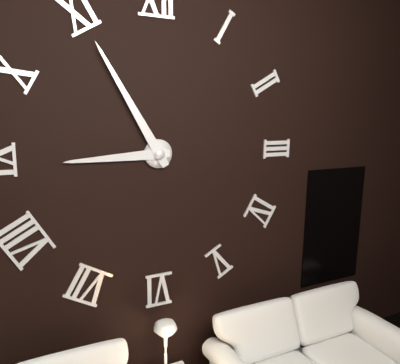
8:55
